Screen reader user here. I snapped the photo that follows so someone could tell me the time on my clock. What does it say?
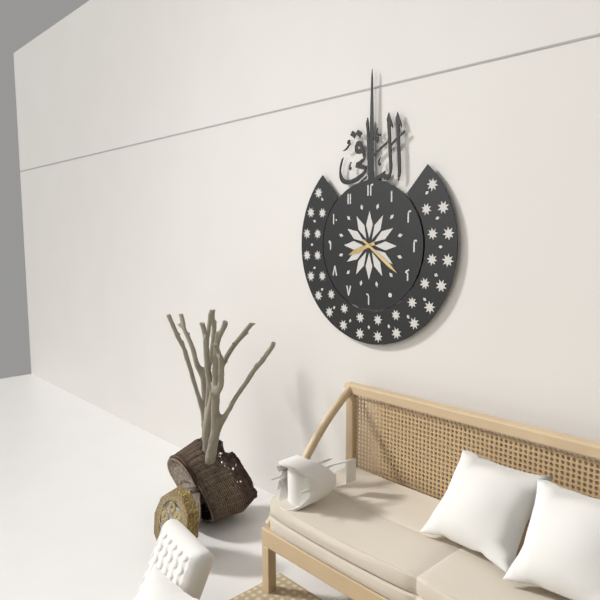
8:21
